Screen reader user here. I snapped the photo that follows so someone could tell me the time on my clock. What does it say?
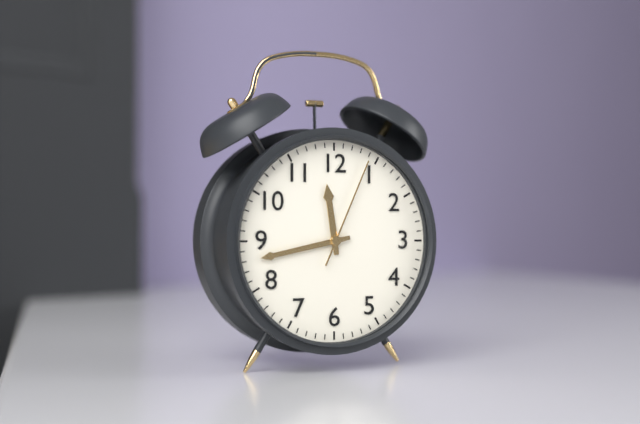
11:43:04
